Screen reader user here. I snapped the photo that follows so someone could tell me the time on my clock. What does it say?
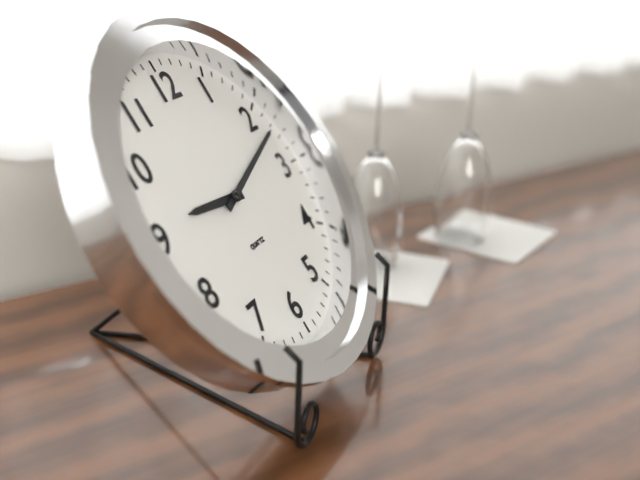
9:12
